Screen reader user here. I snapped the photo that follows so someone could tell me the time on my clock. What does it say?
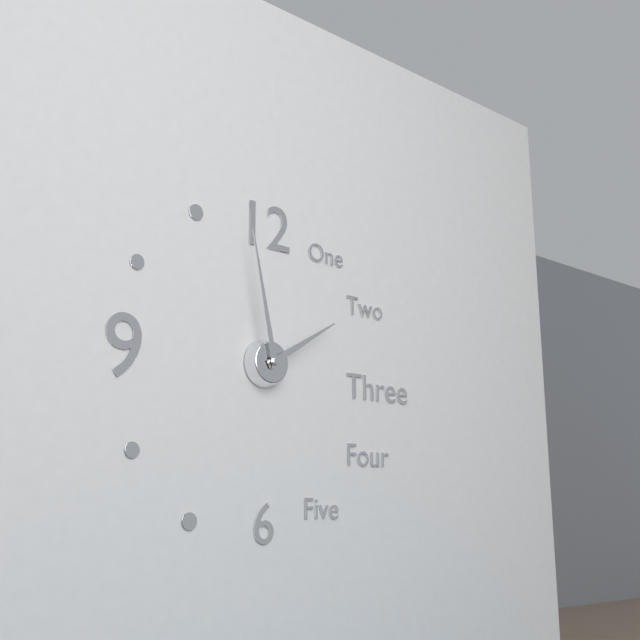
1:58
